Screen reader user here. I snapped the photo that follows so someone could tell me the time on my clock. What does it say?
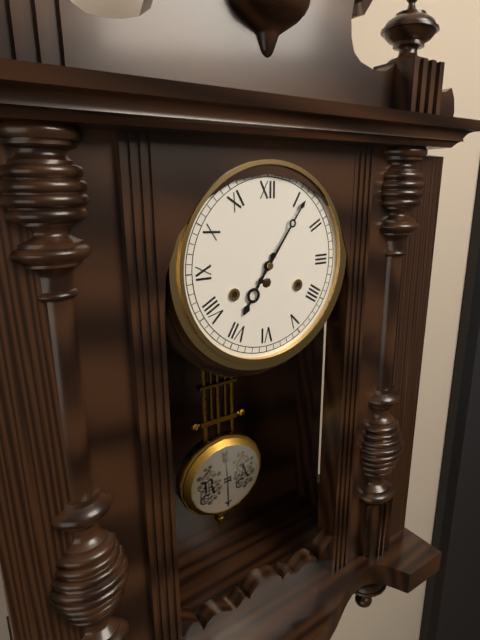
7:06
